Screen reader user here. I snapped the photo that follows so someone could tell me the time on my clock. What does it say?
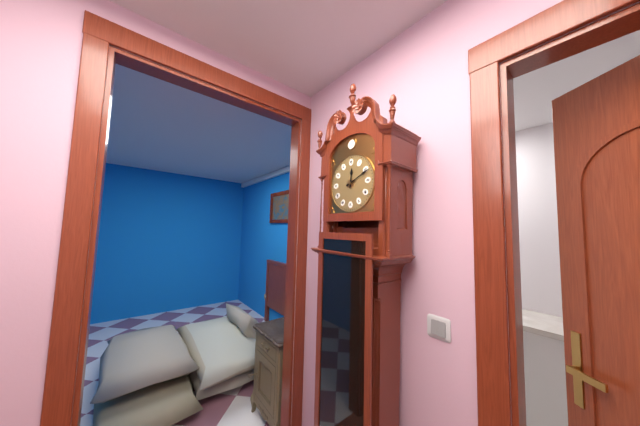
12:11
